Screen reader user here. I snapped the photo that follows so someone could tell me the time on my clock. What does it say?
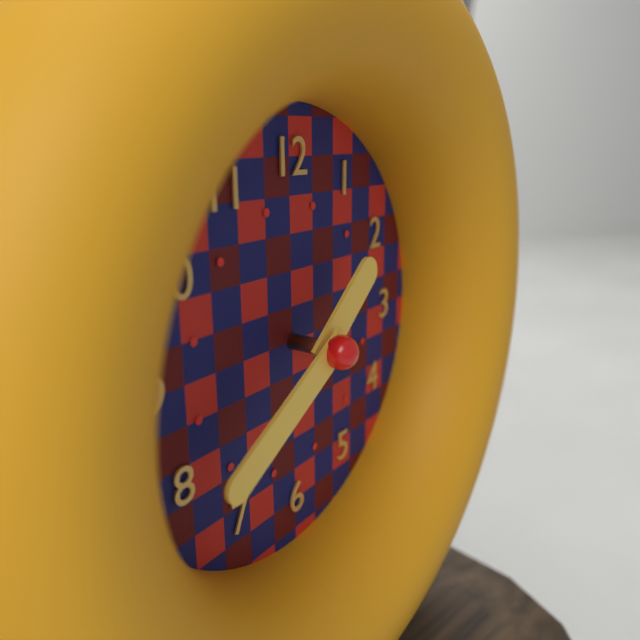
1:40
